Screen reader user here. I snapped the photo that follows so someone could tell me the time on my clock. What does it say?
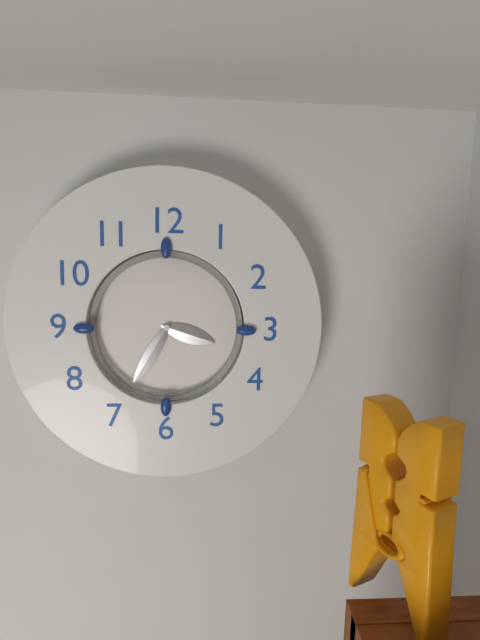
3:35
